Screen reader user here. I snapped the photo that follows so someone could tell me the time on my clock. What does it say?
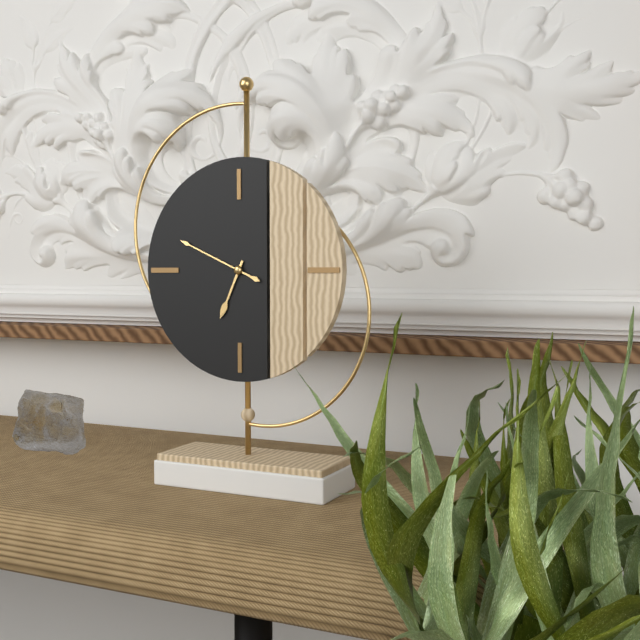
6:49
